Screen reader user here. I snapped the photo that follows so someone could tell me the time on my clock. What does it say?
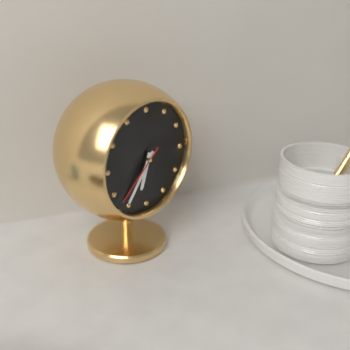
6:36:38
